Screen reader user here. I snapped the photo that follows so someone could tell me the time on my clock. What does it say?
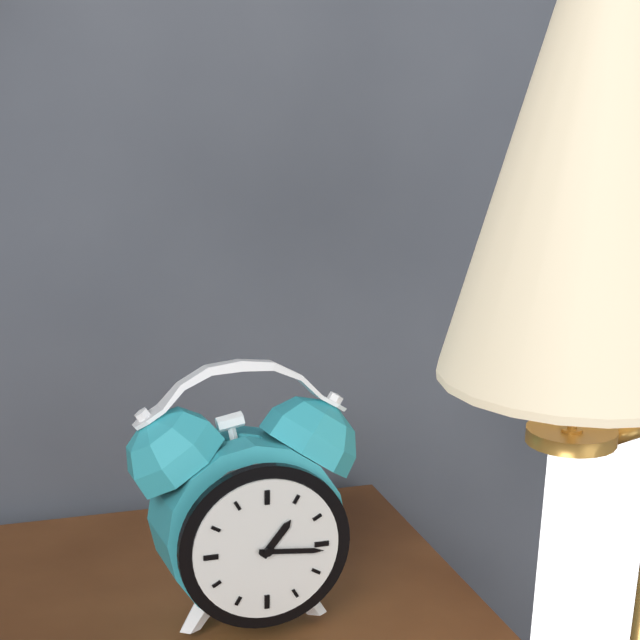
1:16
